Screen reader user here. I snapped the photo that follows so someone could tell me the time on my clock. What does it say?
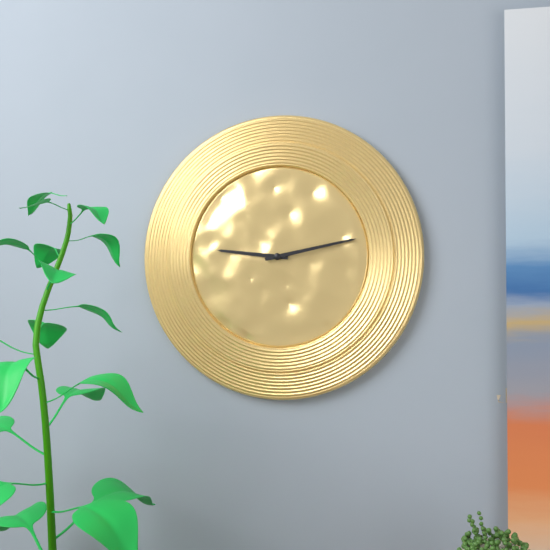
9:13
